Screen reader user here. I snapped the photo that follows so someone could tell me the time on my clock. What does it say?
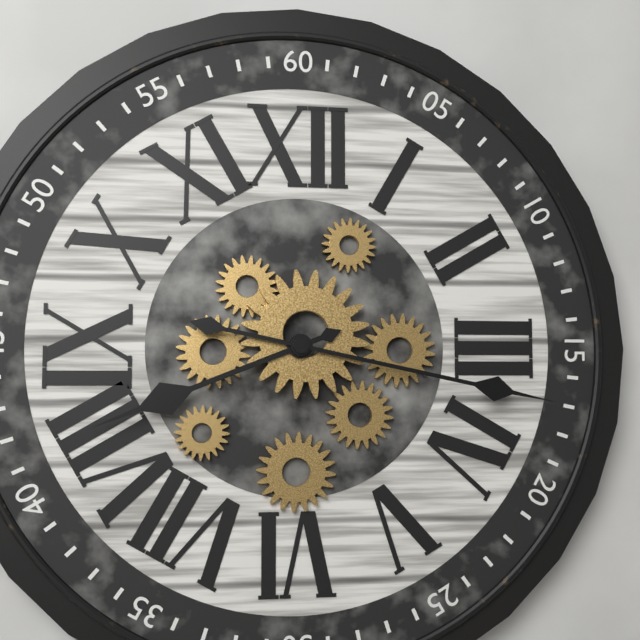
8:17
